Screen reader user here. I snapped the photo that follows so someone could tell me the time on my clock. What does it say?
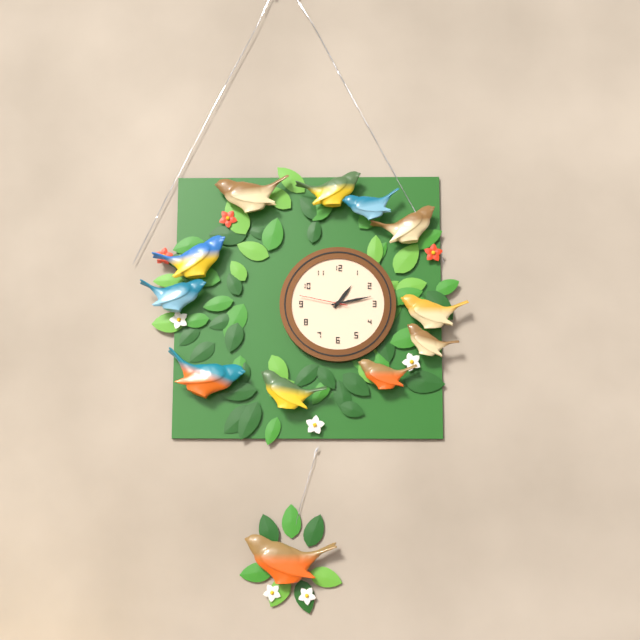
1:13
